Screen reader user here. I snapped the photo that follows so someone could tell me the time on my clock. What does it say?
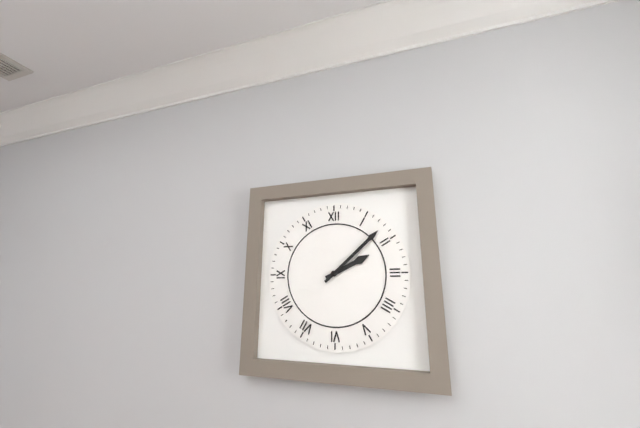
2:08
